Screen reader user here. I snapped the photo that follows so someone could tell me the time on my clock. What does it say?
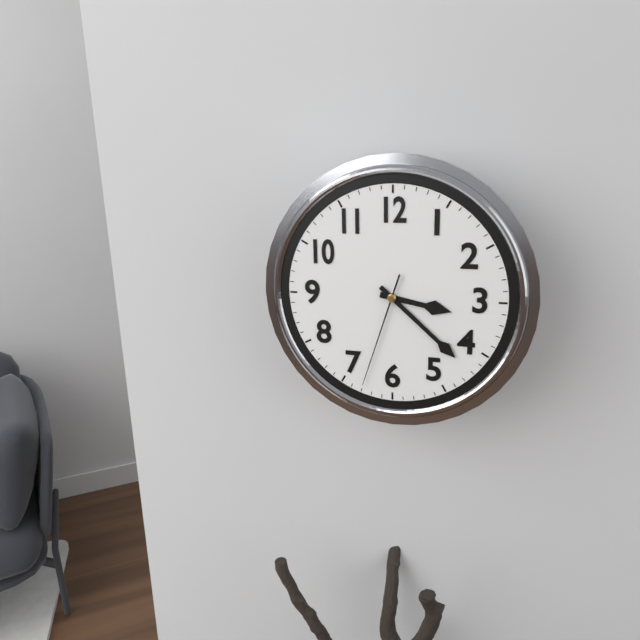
3:22:33
